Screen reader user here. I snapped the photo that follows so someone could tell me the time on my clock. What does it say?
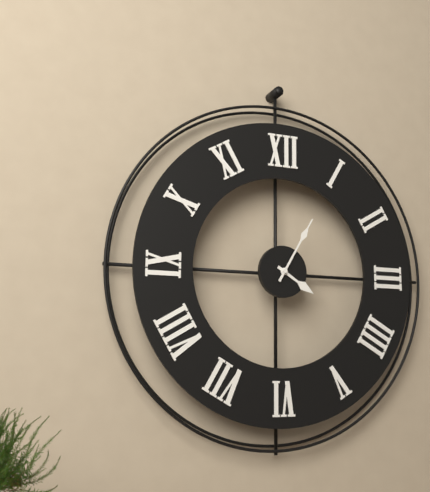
4:05
